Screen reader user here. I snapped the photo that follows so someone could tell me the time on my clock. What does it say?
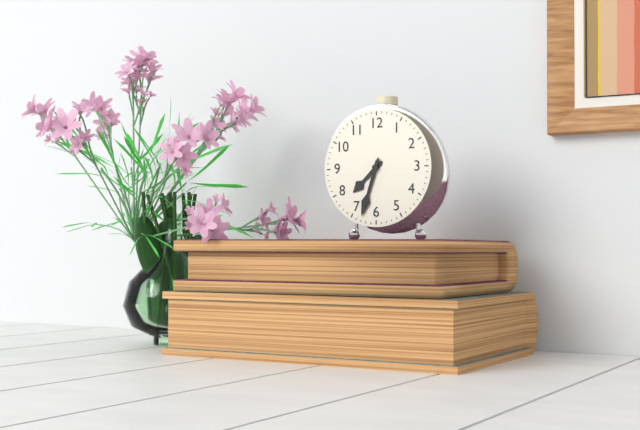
7:33
